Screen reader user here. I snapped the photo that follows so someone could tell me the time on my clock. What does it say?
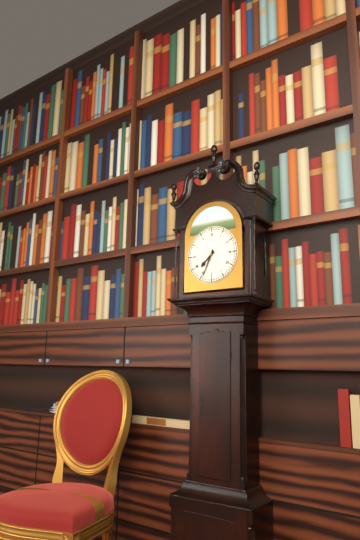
7:34
